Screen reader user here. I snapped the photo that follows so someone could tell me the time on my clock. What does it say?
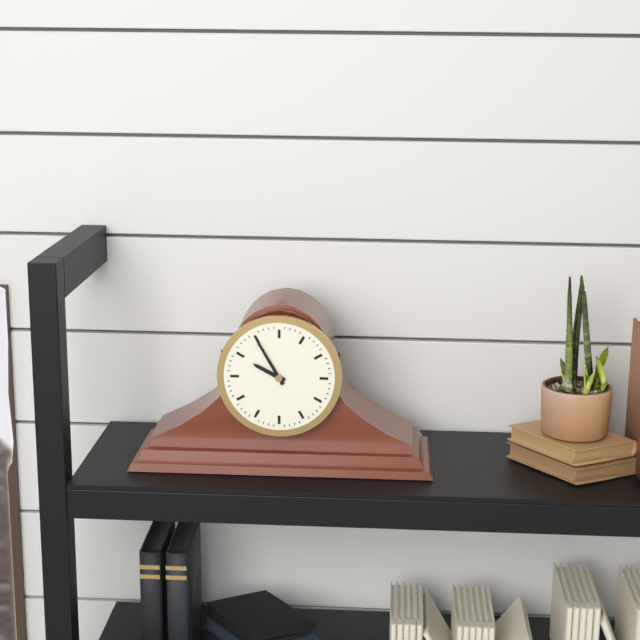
9:55
